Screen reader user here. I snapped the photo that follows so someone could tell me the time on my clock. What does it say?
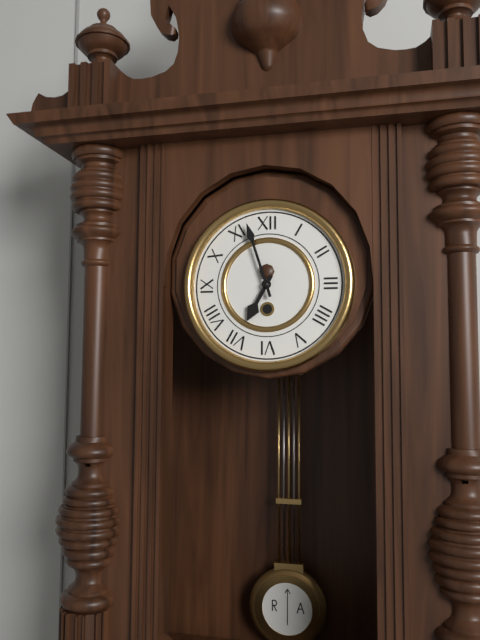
6:57
